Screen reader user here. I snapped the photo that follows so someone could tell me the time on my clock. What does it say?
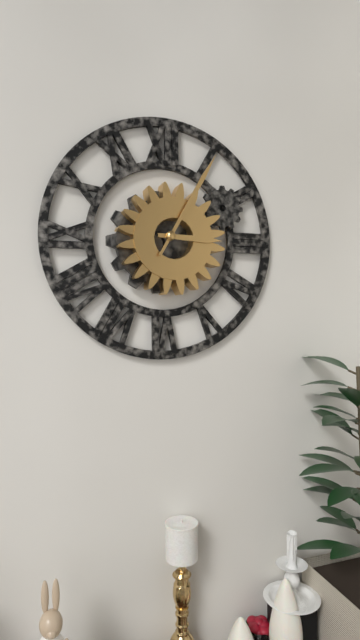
3:05
